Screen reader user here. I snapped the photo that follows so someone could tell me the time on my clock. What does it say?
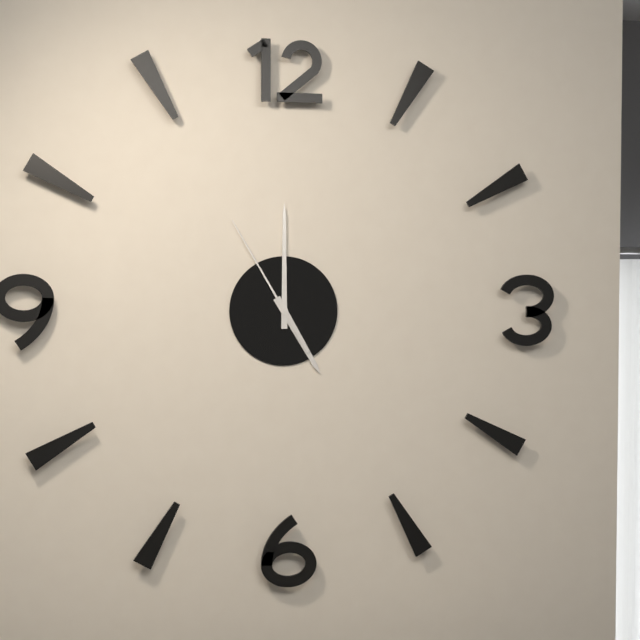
5:00:55
